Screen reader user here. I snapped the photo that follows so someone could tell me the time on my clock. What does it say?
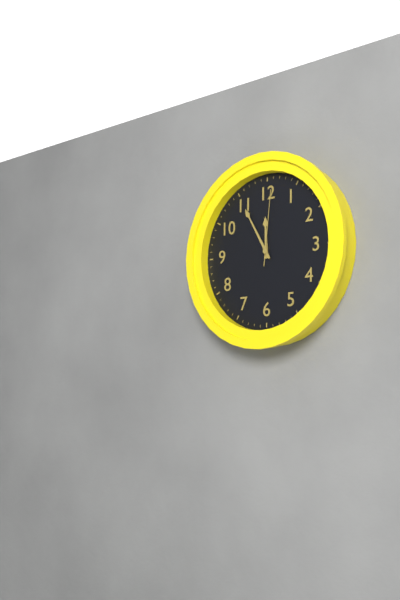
11:55:01
